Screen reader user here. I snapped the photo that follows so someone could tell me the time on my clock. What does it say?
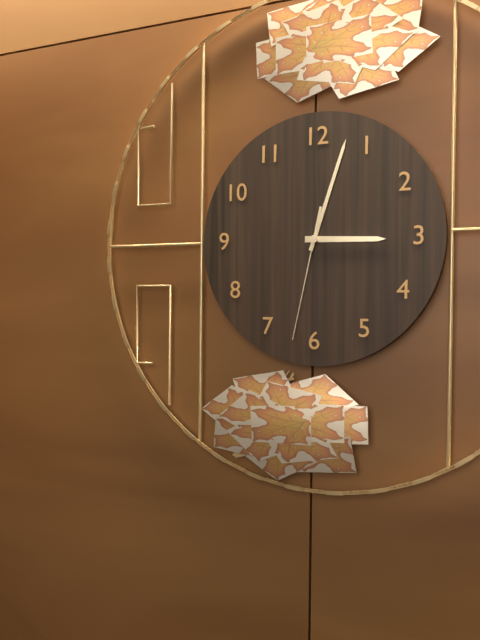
3:03:32
